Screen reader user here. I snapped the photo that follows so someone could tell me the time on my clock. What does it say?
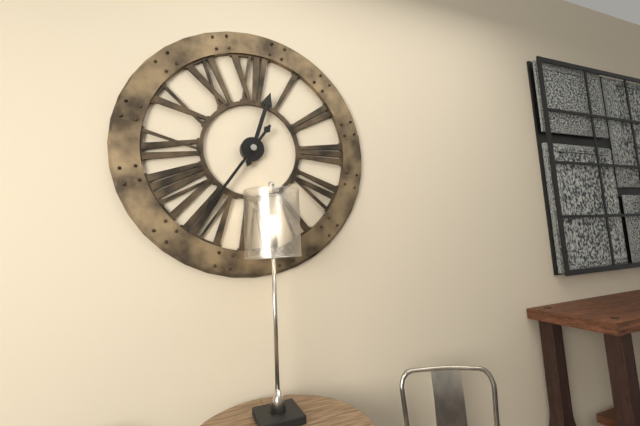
12:36
